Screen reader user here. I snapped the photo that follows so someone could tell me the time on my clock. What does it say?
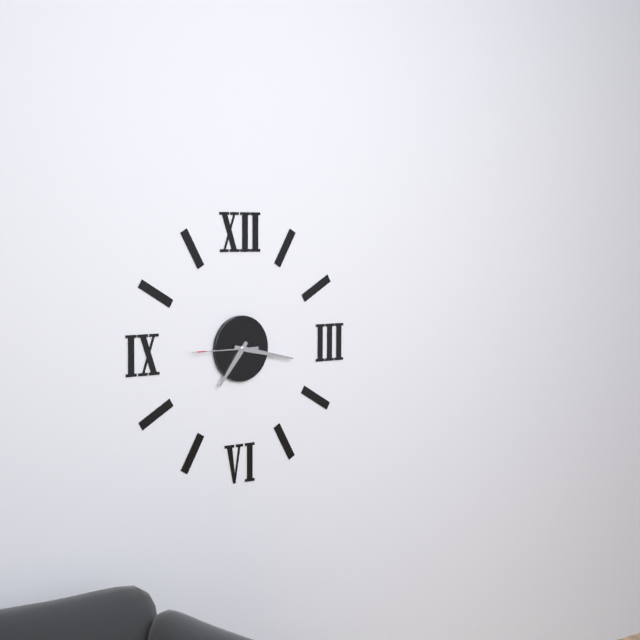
7:17:45
